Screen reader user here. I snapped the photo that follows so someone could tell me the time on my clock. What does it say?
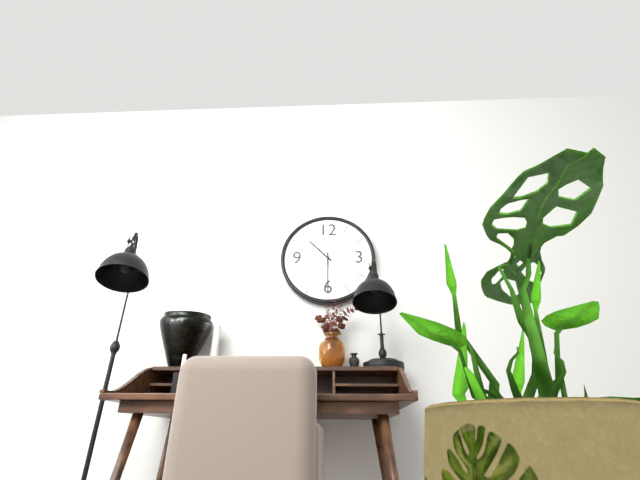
10:30
